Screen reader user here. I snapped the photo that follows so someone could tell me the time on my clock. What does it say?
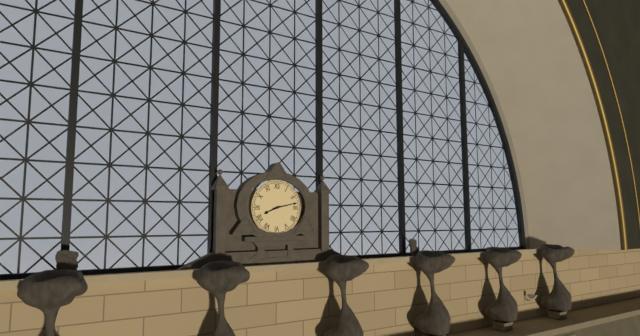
8:13
